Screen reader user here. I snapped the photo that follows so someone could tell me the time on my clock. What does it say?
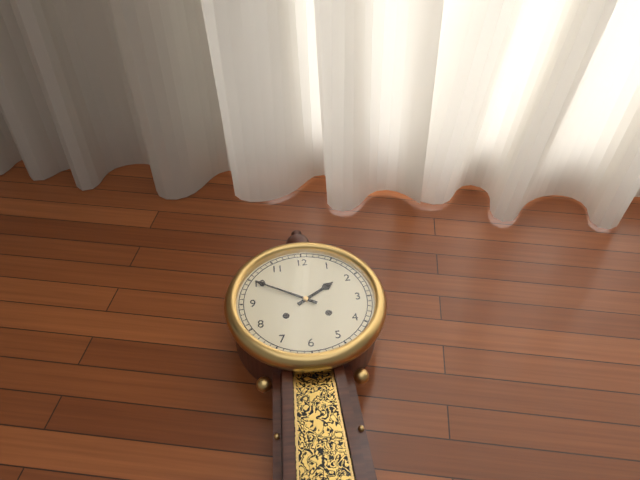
1:50
